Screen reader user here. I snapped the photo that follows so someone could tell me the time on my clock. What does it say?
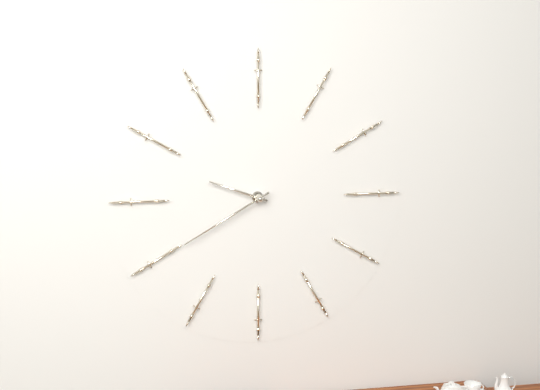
9:40
